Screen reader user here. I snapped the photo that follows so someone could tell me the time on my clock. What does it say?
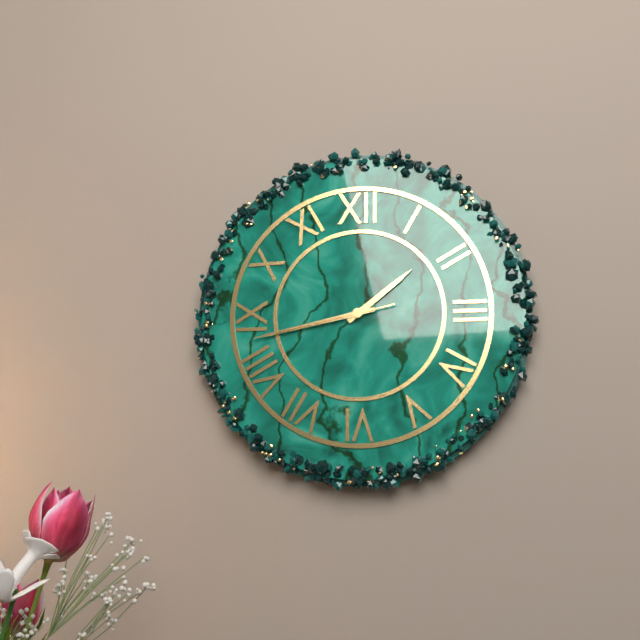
1:43:43
